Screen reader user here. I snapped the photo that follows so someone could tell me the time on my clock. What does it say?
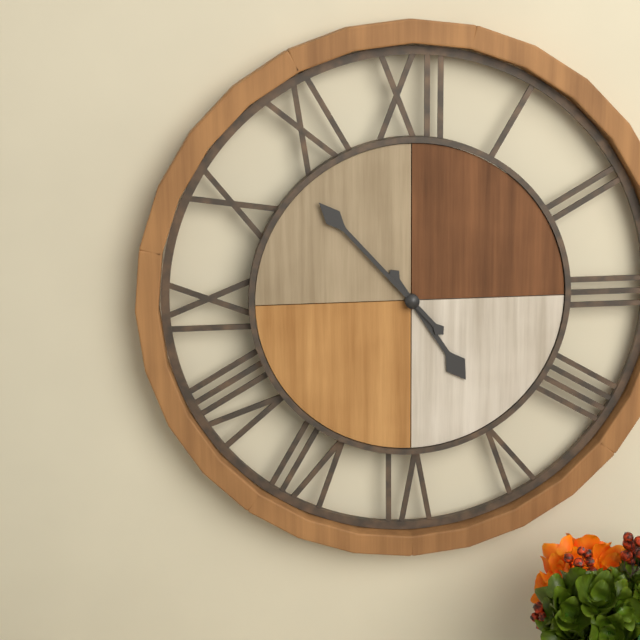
4:53
